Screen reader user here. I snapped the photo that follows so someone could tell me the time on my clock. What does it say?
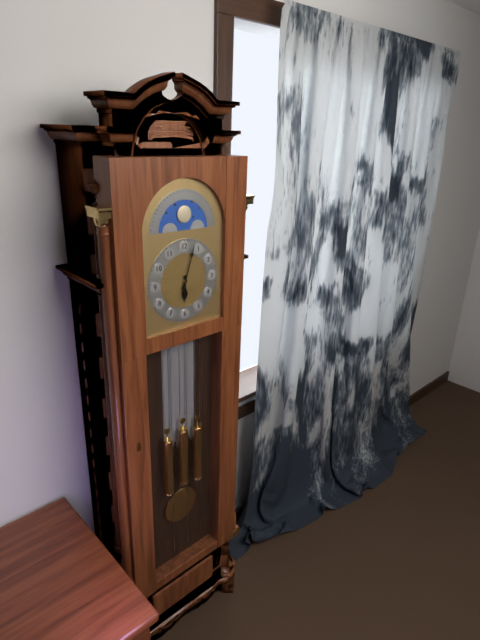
6:03
